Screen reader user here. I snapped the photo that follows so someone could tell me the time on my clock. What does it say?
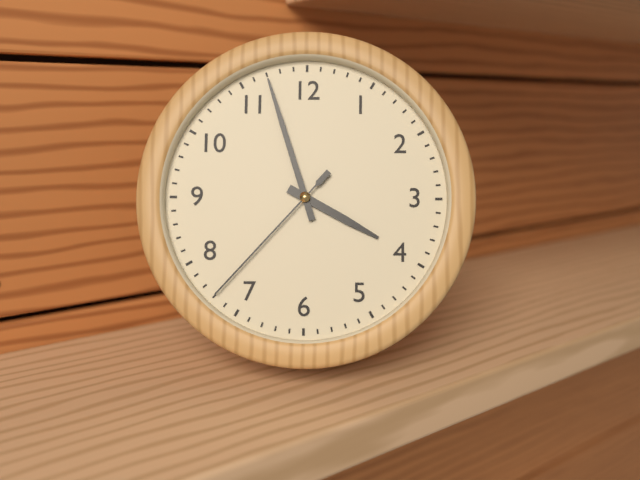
3:57:37
